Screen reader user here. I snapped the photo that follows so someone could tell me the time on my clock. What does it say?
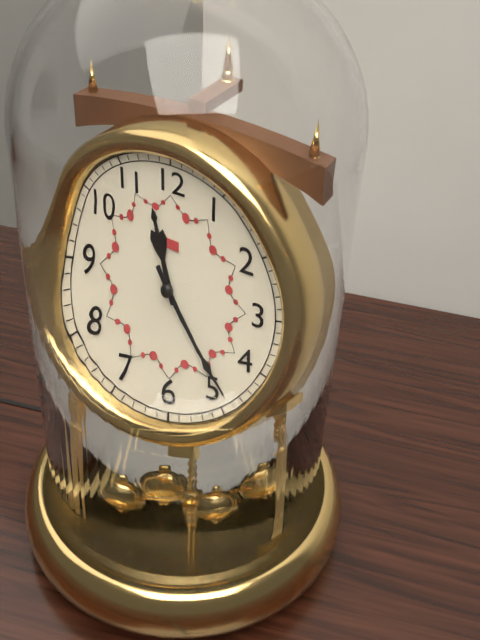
11:24
